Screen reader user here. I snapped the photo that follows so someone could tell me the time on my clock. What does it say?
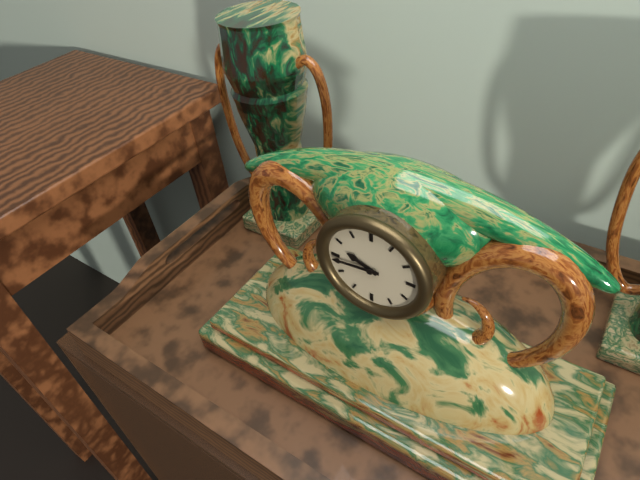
9:44
